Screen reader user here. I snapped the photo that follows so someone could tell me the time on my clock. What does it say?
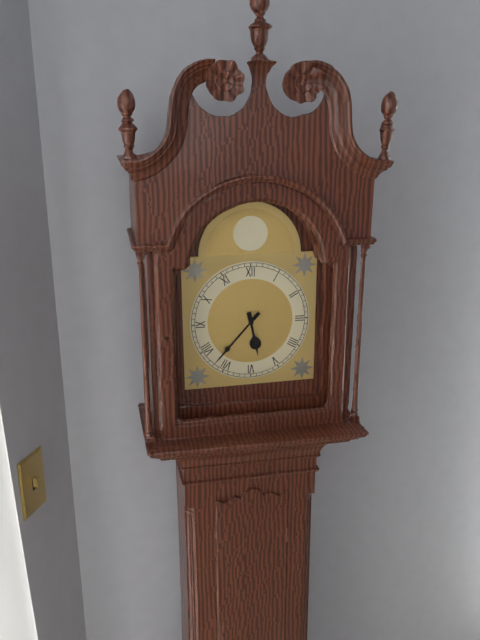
5:37
